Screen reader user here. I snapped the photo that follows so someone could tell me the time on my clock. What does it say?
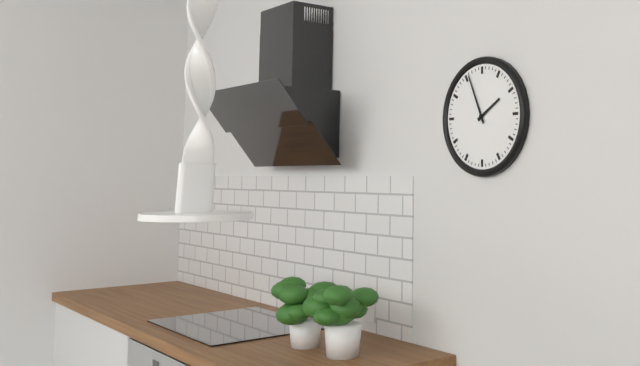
1:56
